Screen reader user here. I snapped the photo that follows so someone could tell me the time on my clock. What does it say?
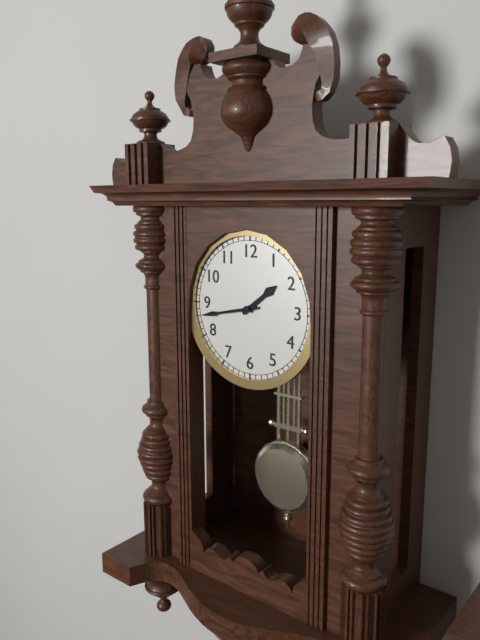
1:43
